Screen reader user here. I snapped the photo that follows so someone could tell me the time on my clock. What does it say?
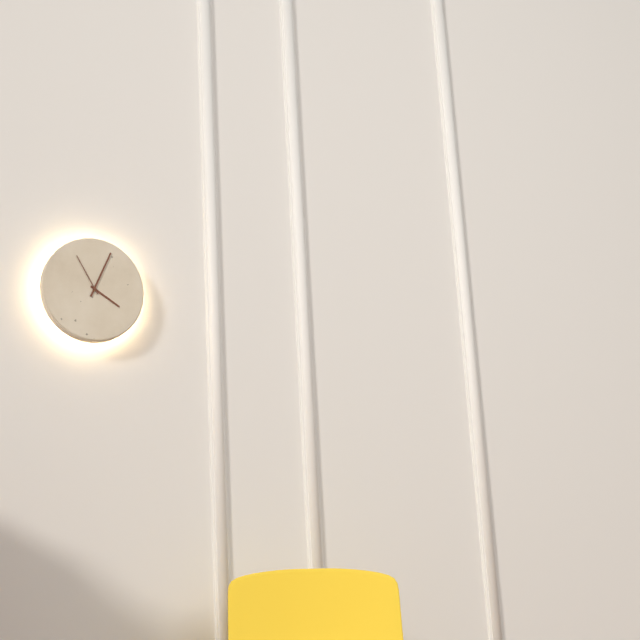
4:04
